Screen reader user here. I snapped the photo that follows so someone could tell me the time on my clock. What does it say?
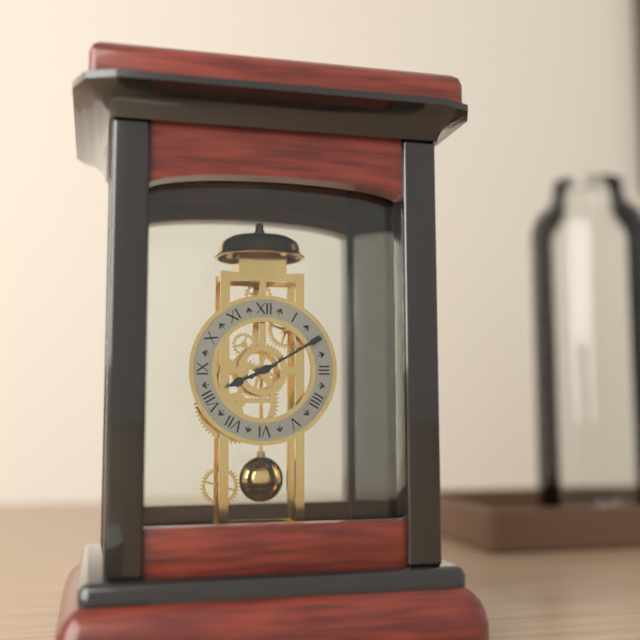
8:10
